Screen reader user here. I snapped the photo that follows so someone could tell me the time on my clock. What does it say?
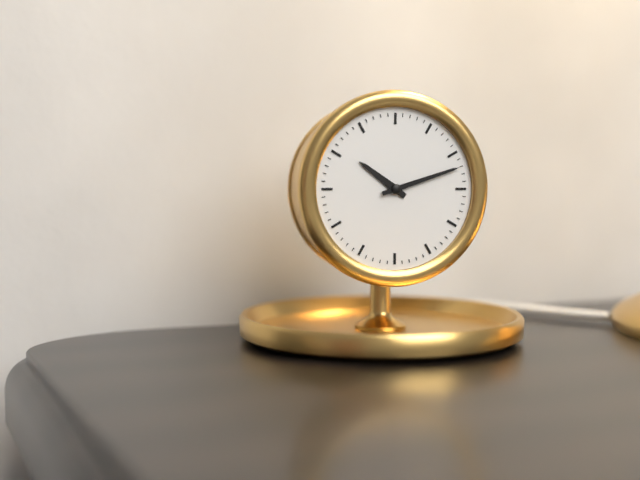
10:12
